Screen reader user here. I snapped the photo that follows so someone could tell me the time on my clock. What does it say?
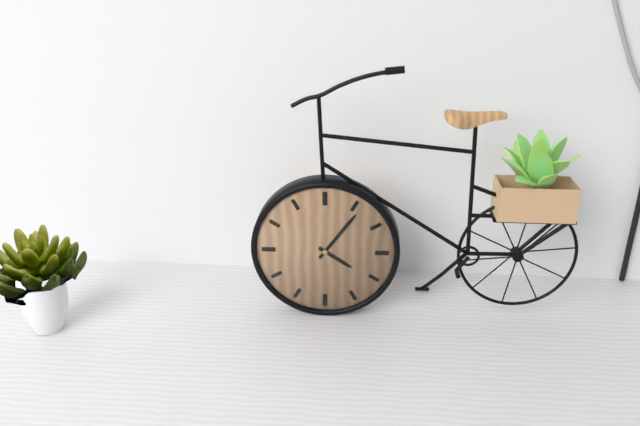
4:06
